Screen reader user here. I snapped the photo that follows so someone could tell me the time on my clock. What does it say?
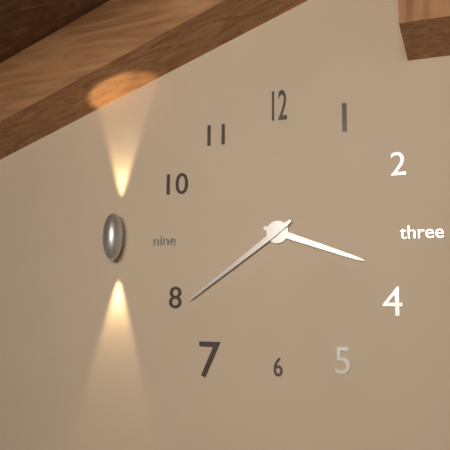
3:39
